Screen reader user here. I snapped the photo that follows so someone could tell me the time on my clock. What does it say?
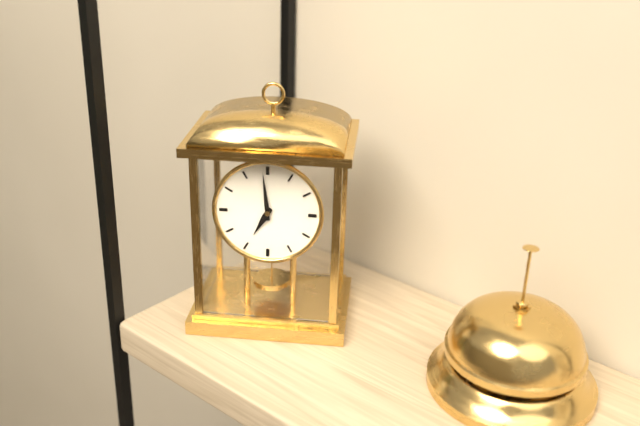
6:59
